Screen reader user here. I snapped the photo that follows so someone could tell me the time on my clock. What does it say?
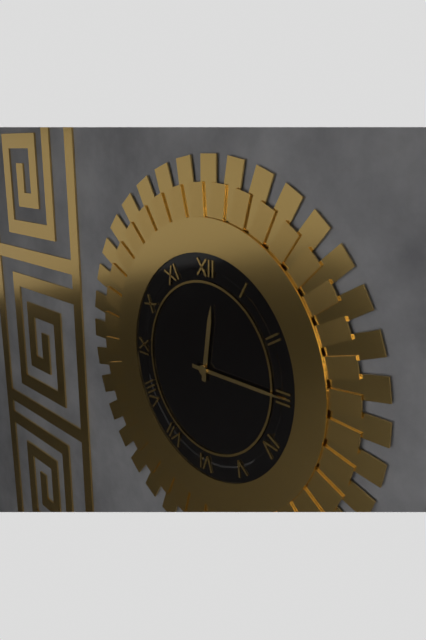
12:15
